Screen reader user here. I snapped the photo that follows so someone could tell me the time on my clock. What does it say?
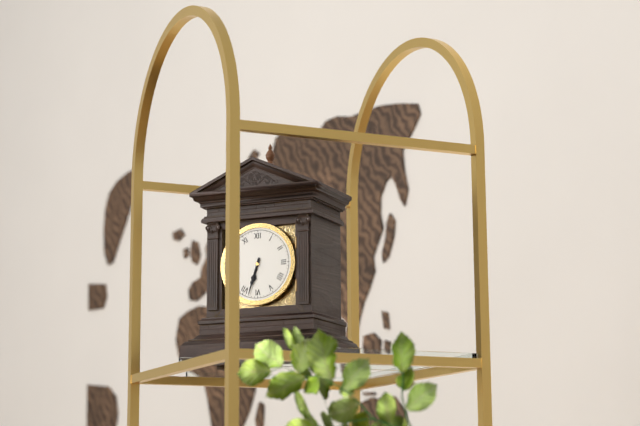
6:33
